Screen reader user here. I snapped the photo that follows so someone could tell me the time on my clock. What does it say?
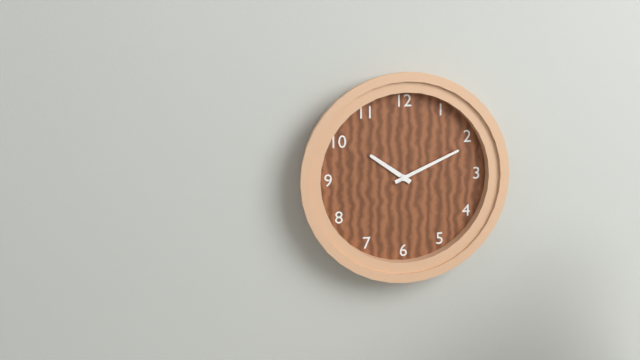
10:11
